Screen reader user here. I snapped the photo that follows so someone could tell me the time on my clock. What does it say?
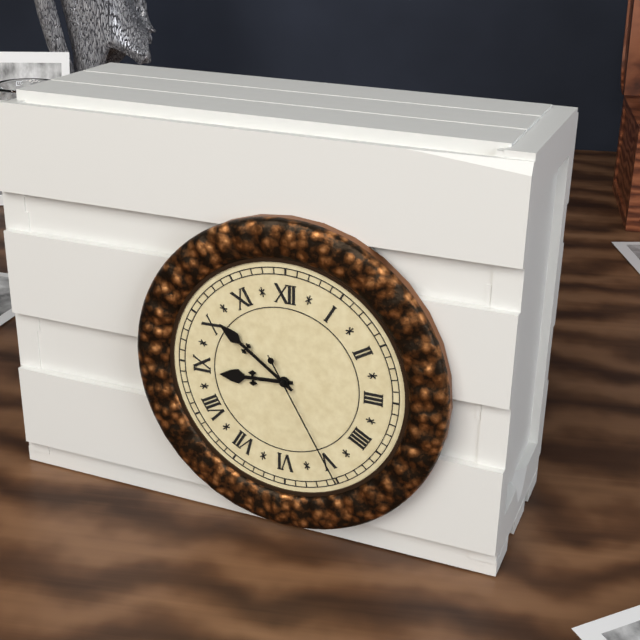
8:51:25
